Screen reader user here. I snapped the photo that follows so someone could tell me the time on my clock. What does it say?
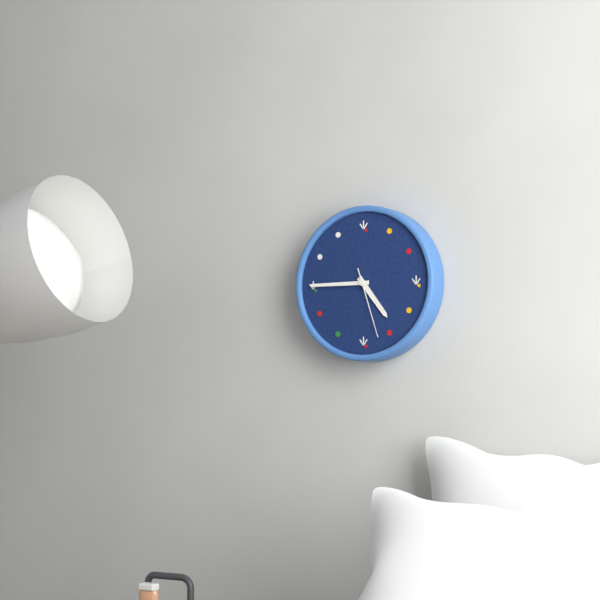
4:45:27
